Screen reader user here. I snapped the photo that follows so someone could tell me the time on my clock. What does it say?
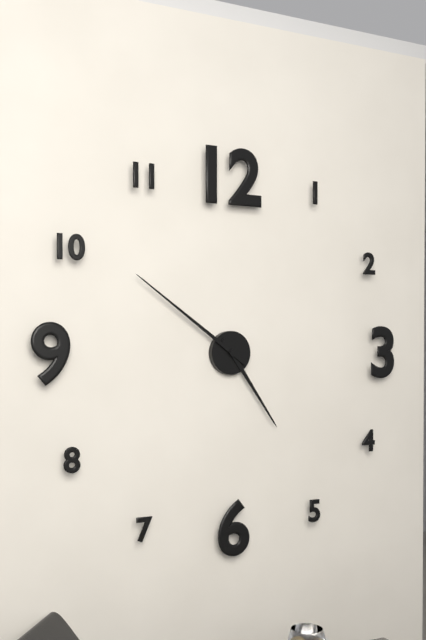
4:51
